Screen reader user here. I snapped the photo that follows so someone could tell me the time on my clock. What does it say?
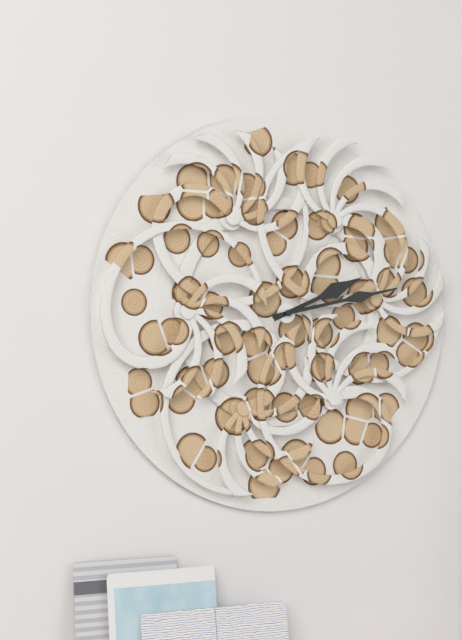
2:13
